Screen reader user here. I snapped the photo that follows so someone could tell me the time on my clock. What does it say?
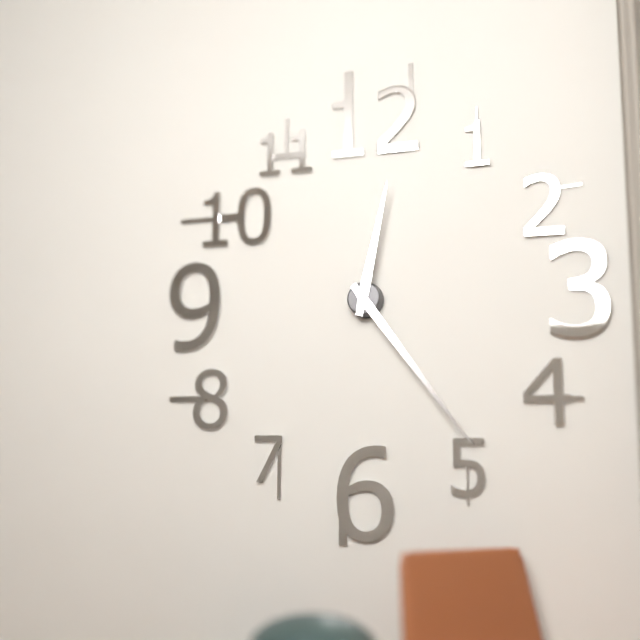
12:24
